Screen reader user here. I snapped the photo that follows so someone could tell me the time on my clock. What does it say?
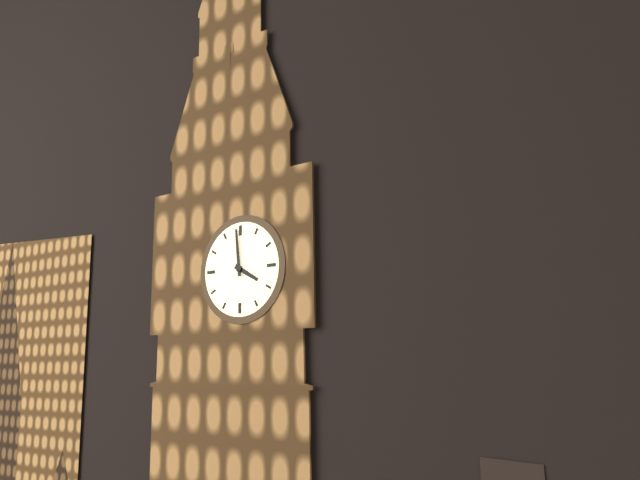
3:59
